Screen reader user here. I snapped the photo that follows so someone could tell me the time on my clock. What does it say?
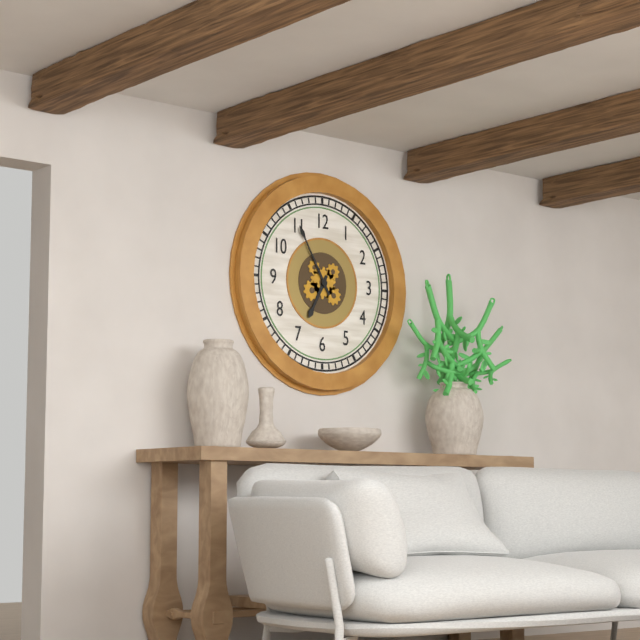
6:55
